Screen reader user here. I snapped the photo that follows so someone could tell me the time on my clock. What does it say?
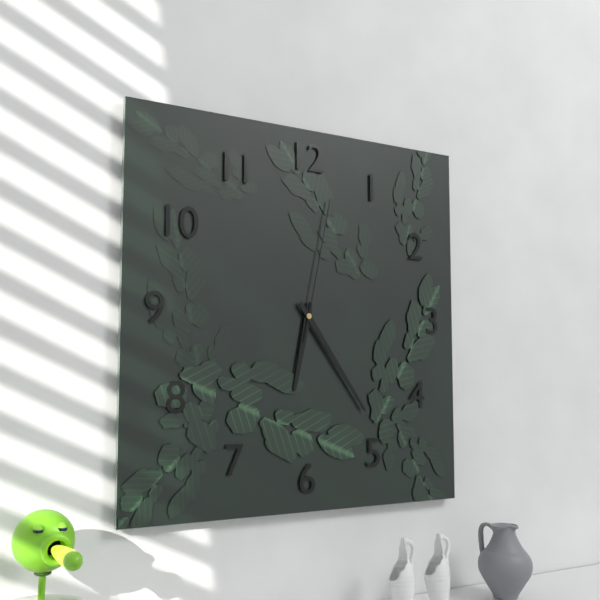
6:24:02
